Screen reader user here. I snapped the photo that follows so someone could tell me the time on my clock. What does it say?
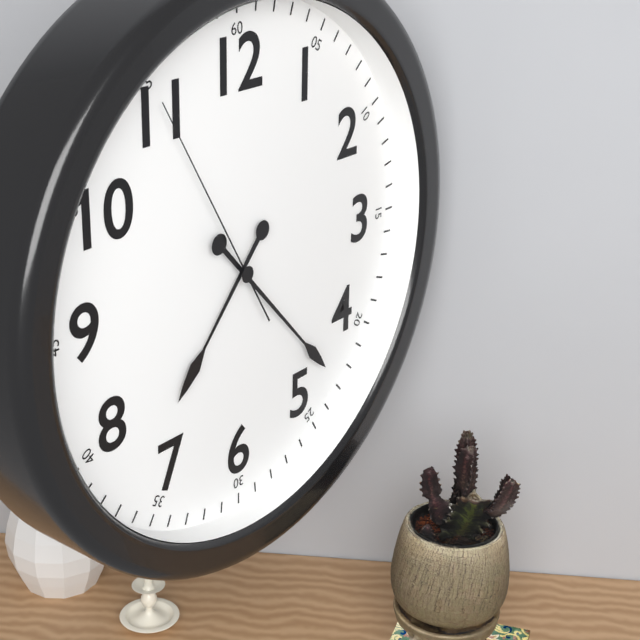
7:23:55
